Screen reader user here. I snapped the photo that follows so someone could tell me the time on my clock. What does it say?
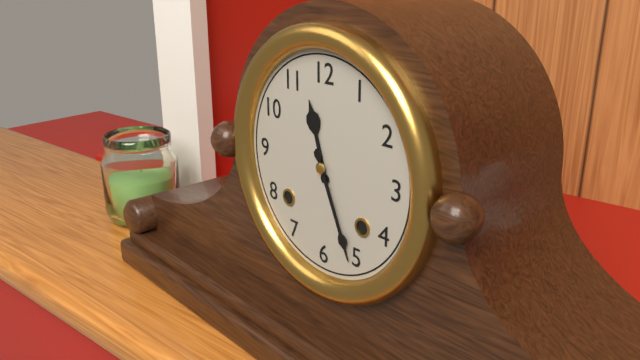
11:26
